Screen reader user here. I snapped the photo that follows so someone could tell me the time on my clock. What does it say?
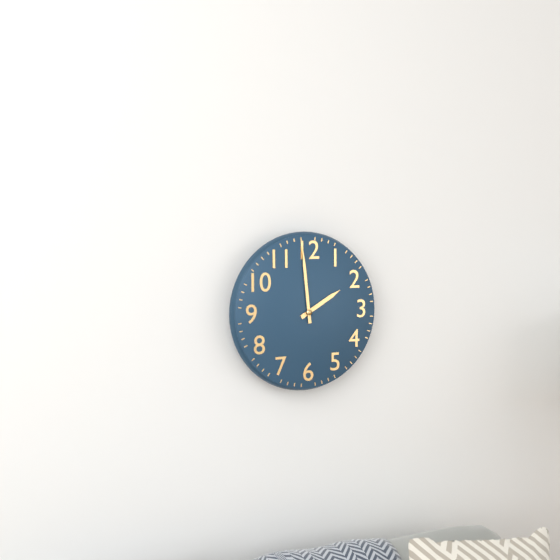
1:59
